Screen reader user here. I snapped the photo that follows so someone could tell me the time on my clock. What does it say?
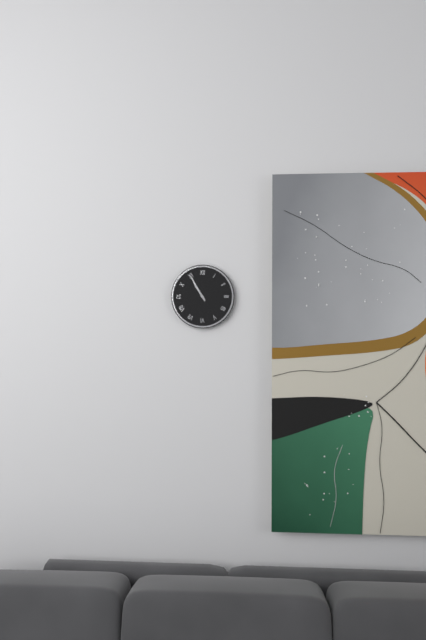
10:55
